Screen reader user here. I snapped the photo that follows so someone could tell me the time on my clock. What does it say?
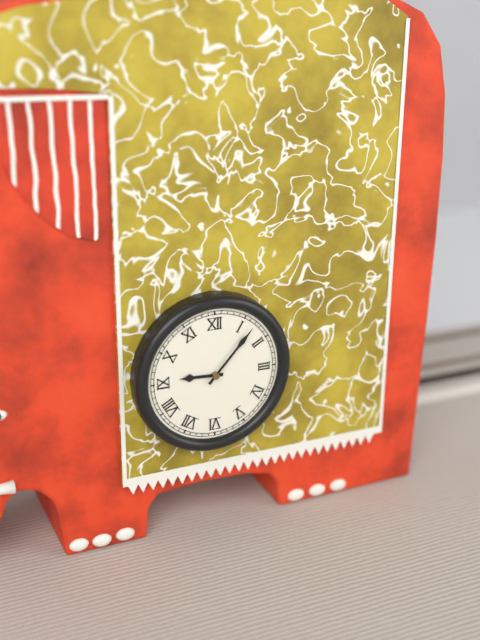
9:07
